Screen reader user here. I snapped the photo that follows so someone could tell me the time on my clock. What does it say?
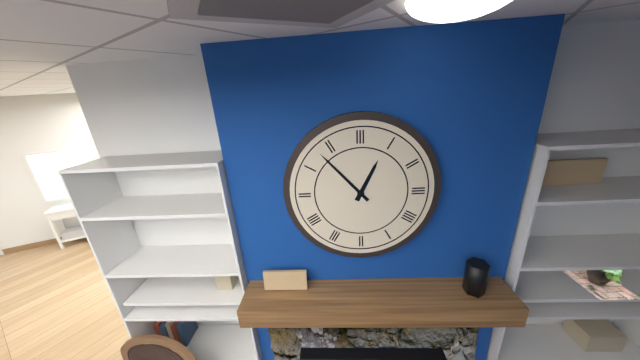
12:53
